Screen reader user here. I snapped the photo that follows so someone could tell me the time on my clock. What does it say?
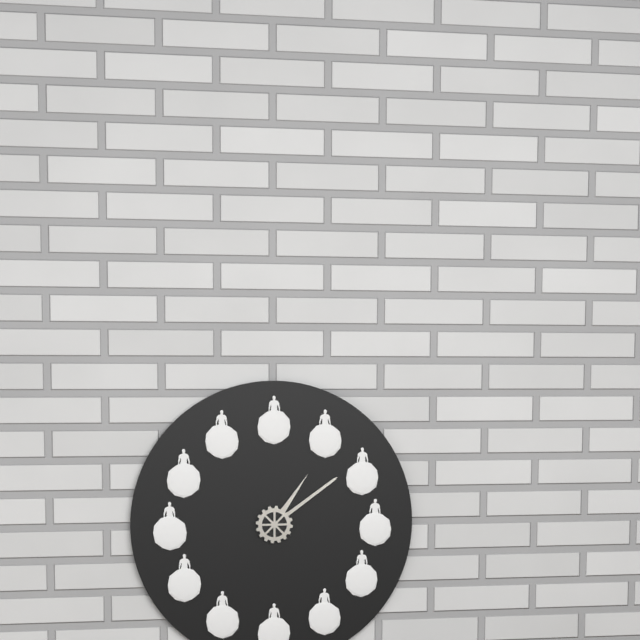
1:09
